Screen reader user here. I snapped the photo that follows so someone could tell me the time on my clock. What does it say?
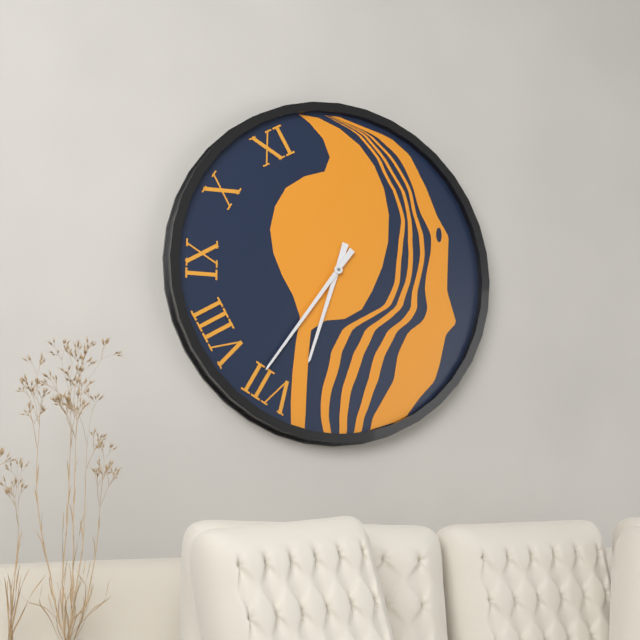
6:36
